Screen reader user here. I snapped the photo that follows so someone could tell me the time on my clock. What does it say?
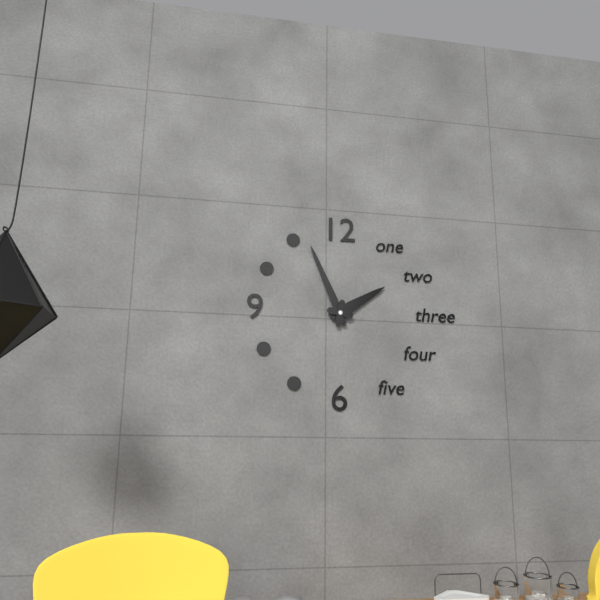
1:56
